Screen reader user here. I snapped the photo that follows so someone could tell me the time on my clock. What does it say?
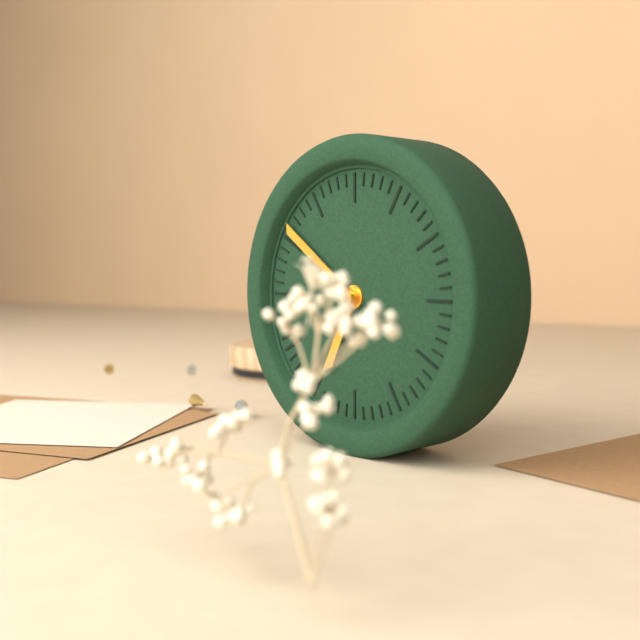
6:51
